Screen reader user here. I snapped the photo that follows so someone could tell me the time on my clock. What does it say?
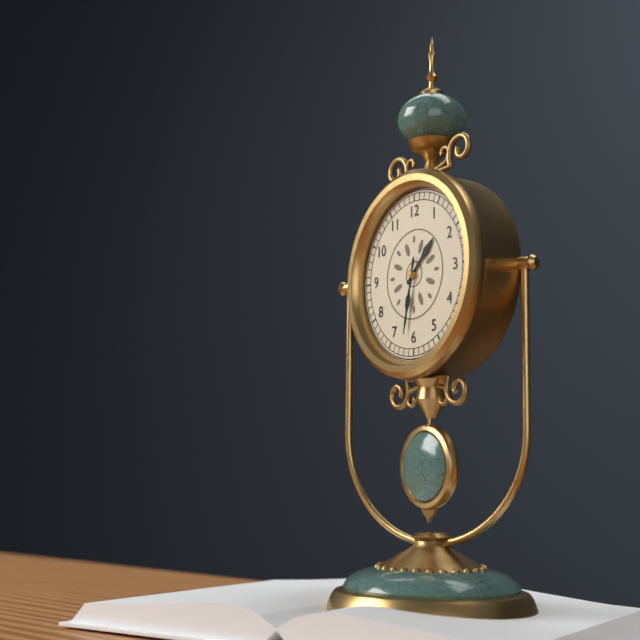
1:32
